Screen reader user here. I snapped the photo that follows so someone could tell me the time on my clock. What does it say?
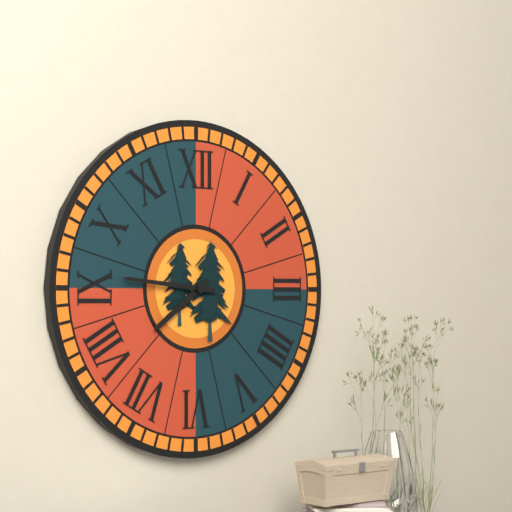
7:46
